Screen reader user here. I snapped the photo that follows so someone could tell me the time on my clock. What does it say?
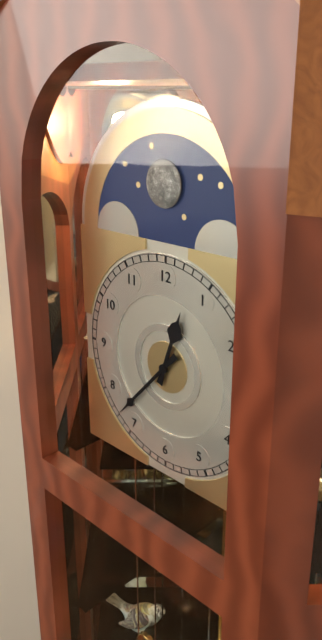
12:37
